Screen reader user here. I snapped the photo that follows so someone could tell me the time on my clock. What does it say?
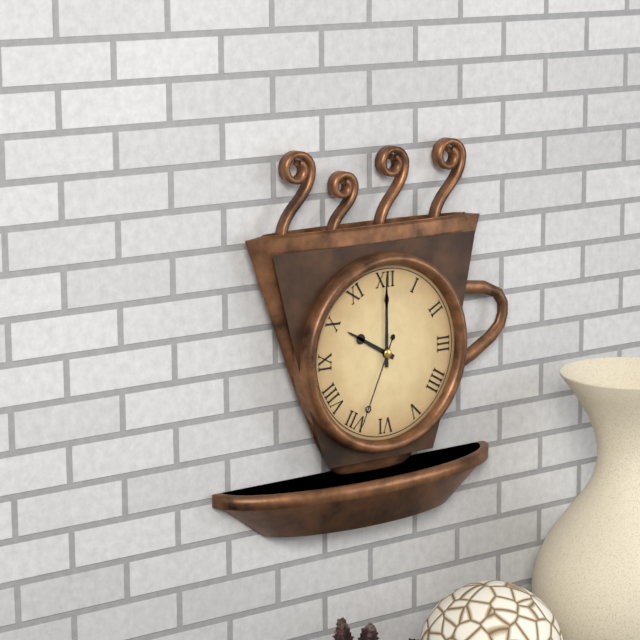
10:00:34
